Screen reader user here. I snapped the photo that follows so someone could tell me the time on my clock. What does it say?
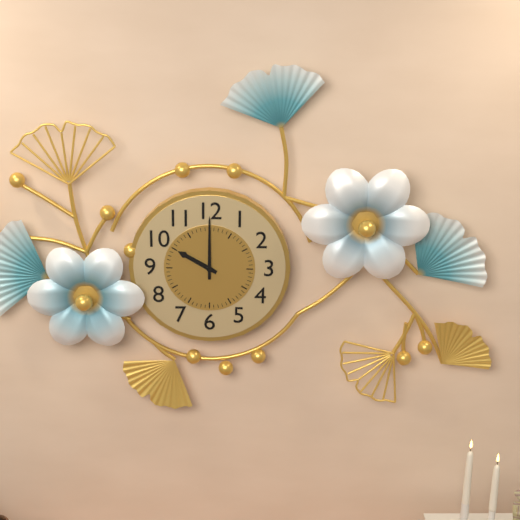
10:00
